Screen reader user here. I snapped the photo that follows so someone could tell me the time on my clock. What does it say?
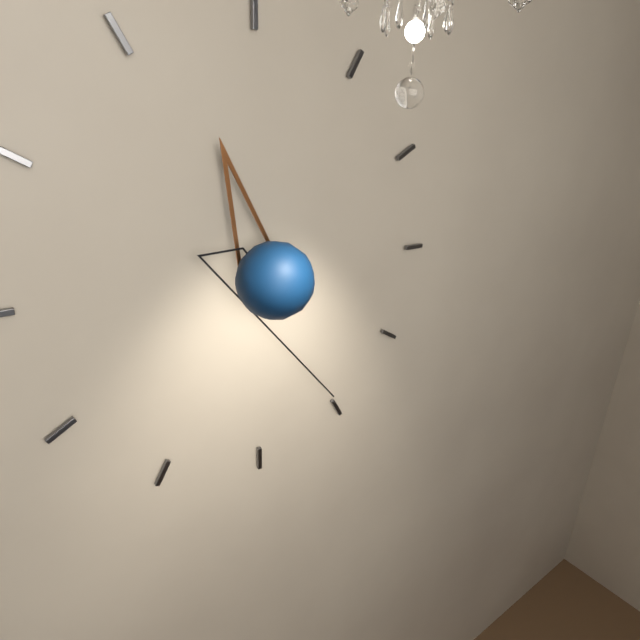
11:25
